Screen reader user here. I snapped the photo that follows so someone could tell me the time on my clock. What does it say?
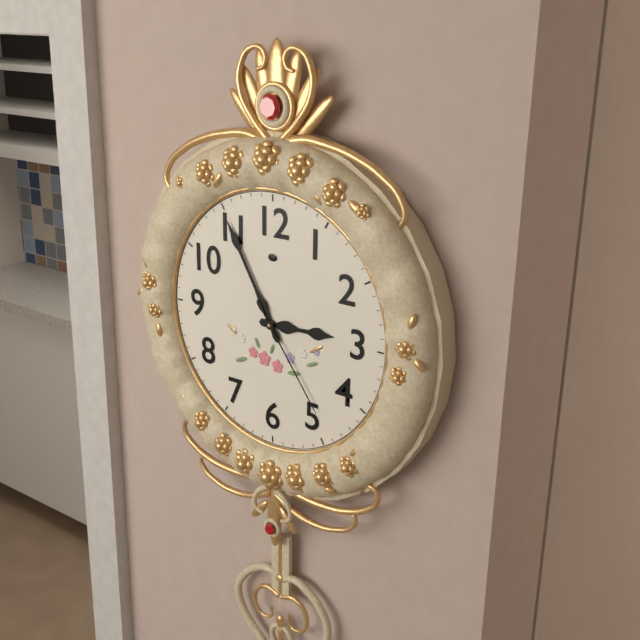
2:55:24
